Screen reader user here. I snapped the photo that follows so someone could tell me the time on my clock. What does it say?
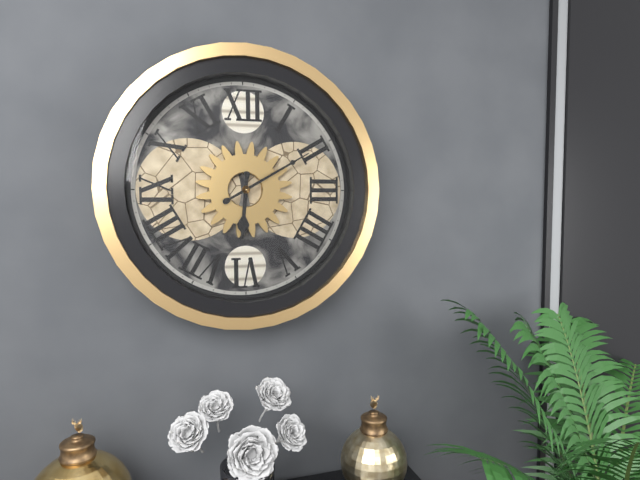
6:10
